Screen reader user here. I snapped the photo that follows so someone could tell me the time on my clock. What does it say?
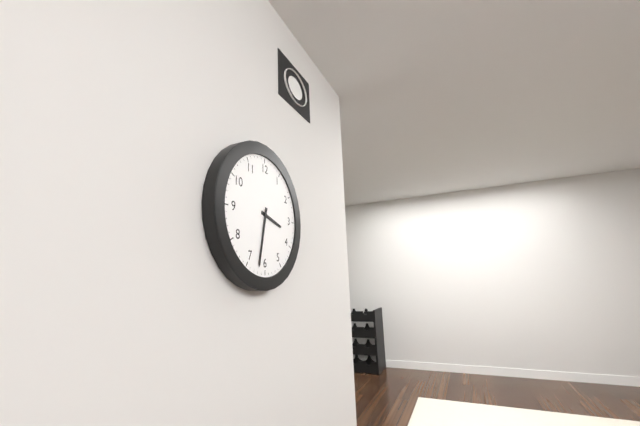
3:32
